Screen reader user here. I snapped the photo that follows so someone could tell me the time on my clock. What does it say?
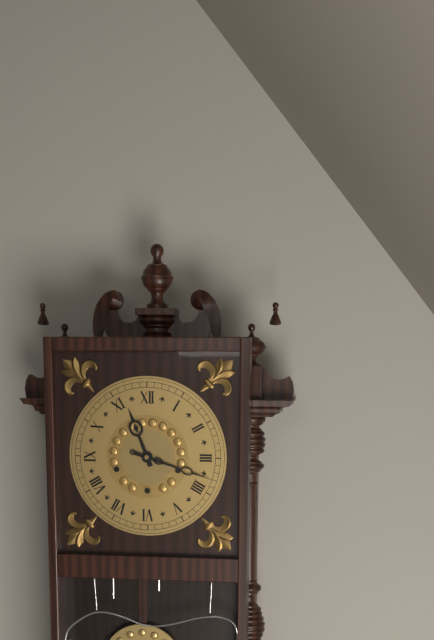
11:18
